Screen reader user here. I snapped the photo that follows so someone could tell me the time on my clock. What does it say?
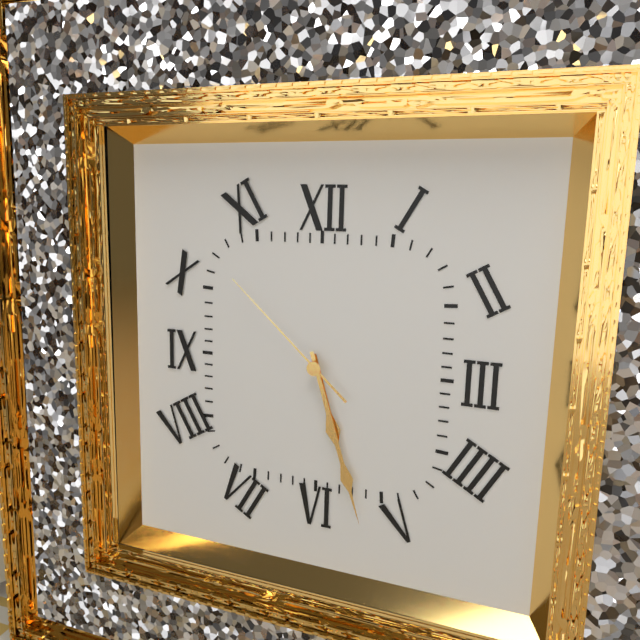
5:27:52
